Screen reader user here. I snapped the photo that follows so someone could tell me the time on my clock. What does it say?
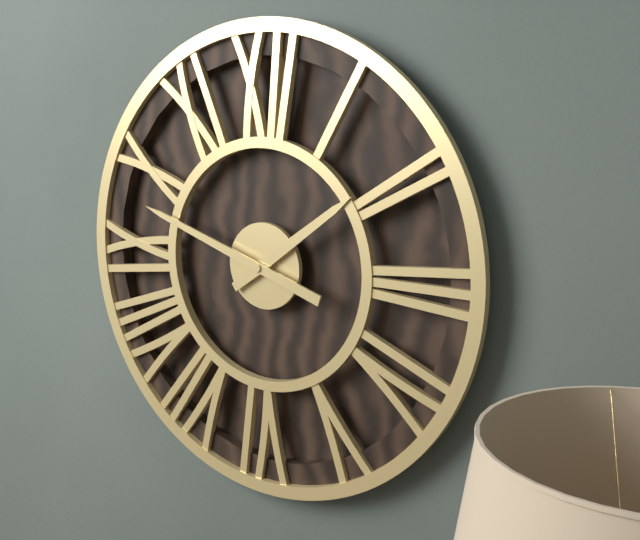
1:48
